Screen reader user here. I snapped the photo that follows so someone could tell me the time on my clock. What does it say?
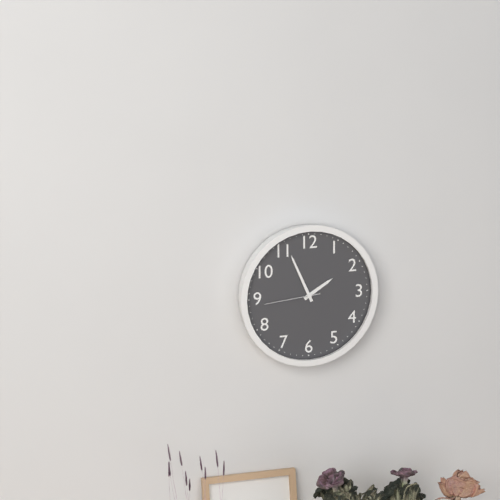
1:56:44
